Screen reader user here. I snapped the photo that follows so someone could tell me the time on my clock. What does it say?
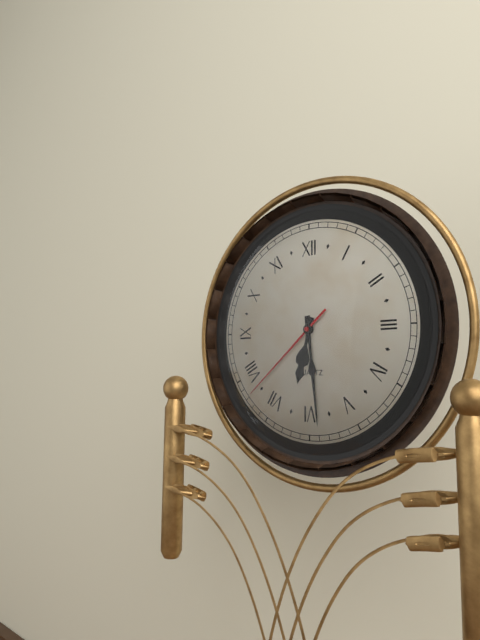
6:29:38
